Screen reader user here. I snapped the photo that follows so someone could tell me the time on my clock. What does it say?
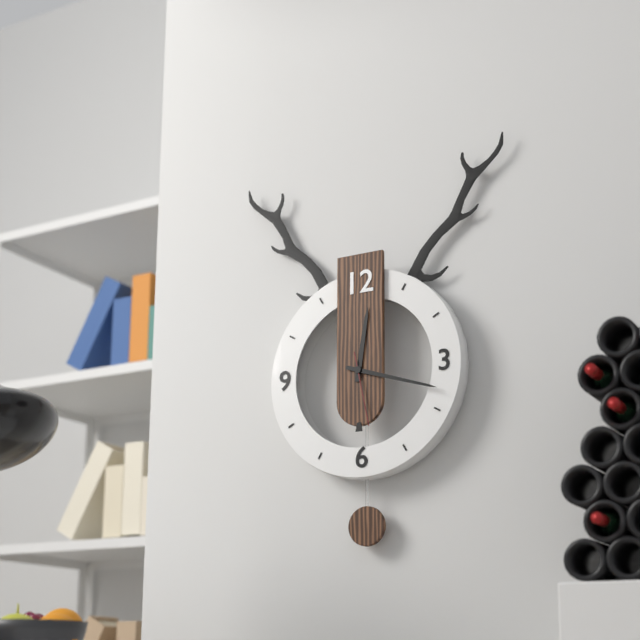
12:18:28
